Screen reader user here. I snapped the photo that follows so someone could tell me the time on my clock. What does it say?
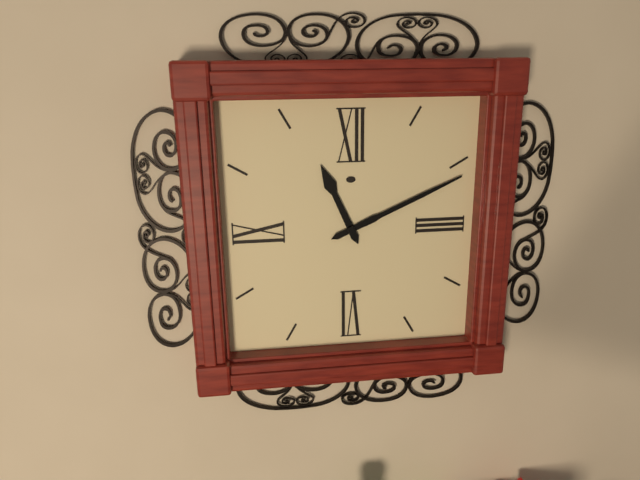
11:11
